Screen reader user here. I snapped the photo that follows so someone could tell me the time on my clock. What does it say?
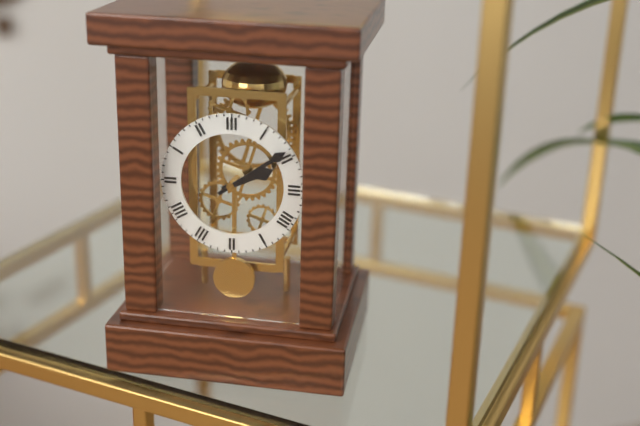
2:09
